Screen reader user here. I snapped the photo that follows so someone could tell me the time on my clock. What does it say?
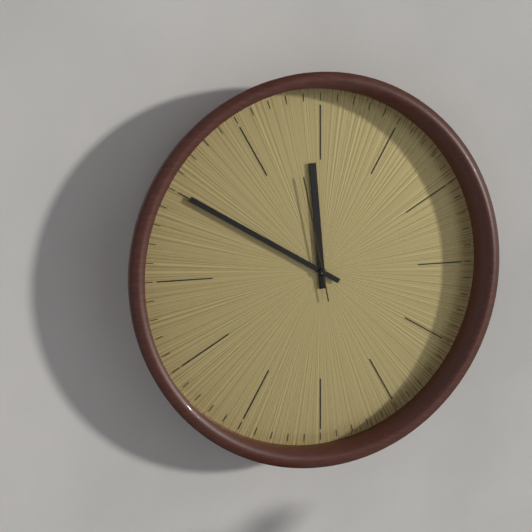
11:50:58
